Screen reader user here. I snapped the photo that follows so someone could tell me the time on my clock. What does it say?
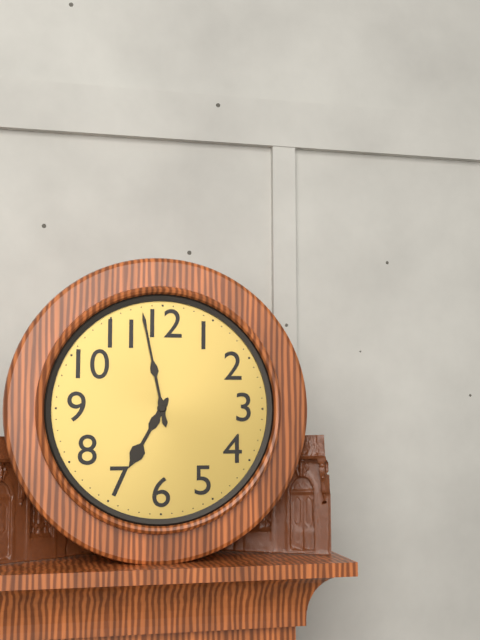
6:58
